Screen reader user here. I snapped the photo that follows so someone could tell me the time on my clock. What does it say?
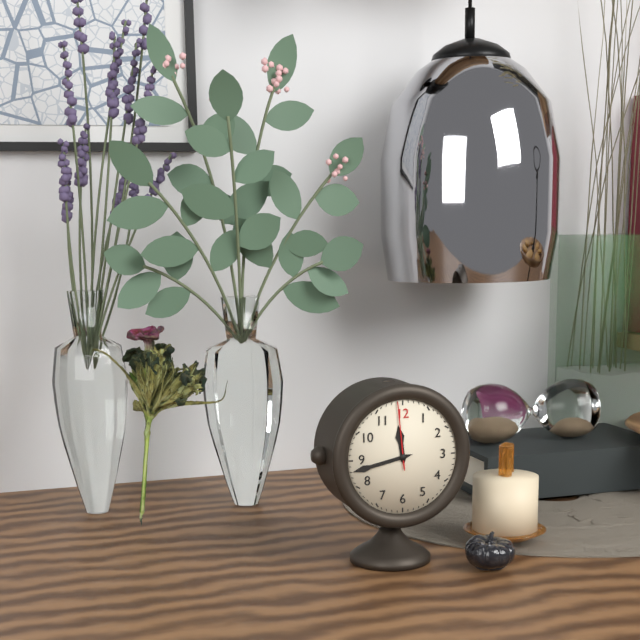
11:43:59
